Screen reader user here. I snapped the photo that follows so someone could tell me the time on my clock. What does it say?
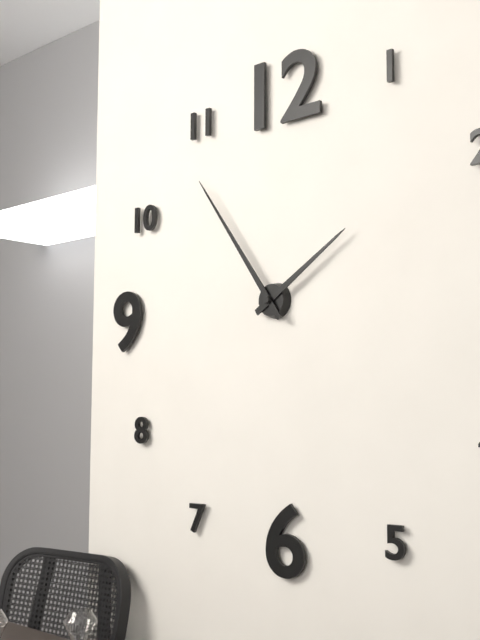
1:54
